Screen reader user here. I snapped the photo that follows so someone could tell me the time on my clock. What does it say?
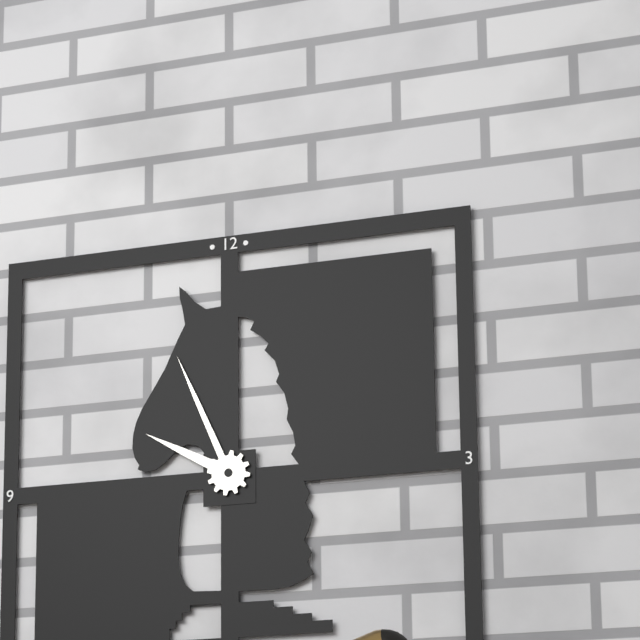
9:56
